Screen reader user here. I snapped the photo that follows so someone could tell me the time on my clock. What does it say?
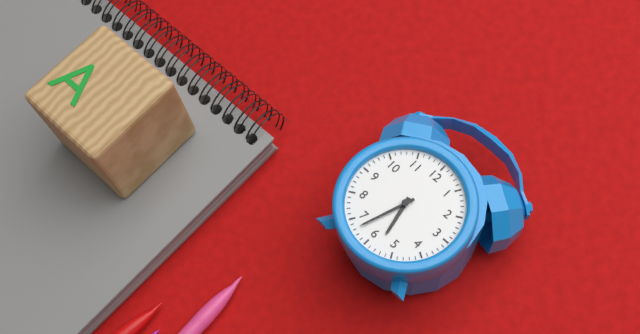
5:33
